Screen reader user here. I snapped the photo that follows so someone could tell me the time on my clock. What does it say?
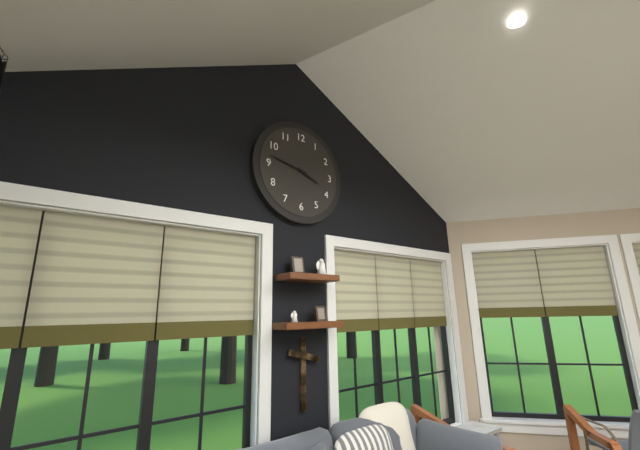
3:47
